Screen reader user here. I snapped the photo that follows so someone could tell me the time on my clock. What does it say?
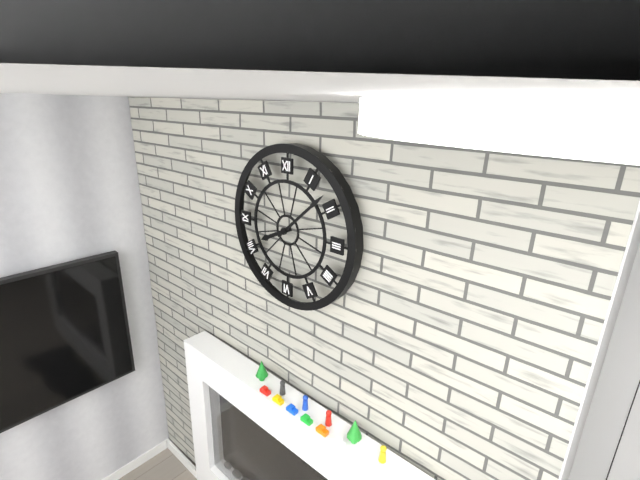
8:08
